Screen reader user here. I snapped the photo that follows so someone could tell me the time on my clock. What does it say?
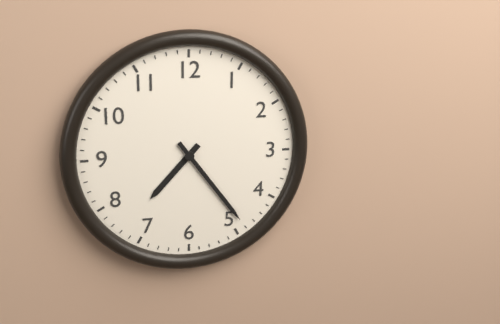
7:24
